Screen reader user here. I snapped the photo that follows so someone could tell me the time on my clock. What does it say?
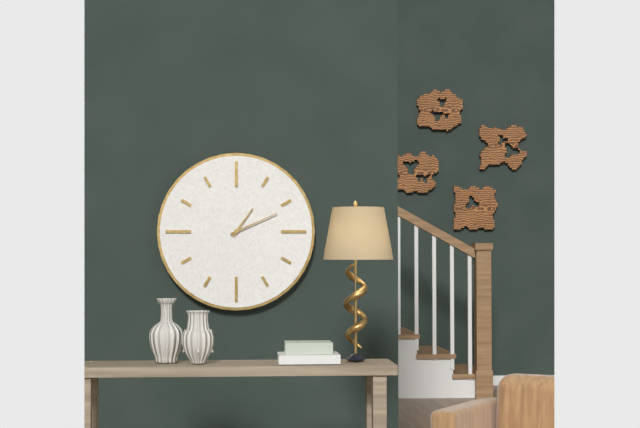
1:11
